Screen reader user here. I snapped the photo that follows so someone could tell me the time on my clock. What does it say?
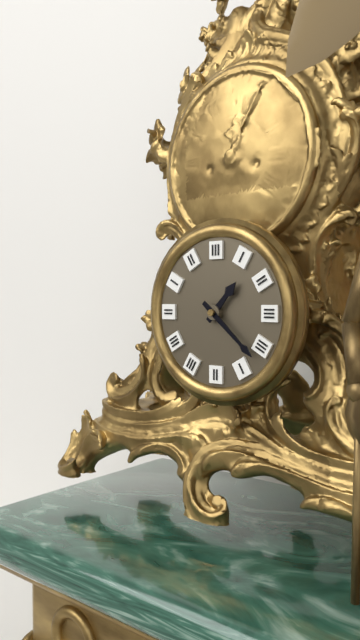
1:22
